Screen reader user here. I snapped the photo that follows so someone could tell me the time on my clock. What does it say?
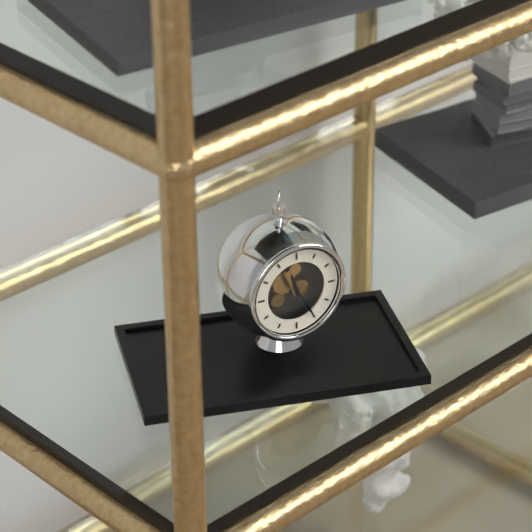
11:25
